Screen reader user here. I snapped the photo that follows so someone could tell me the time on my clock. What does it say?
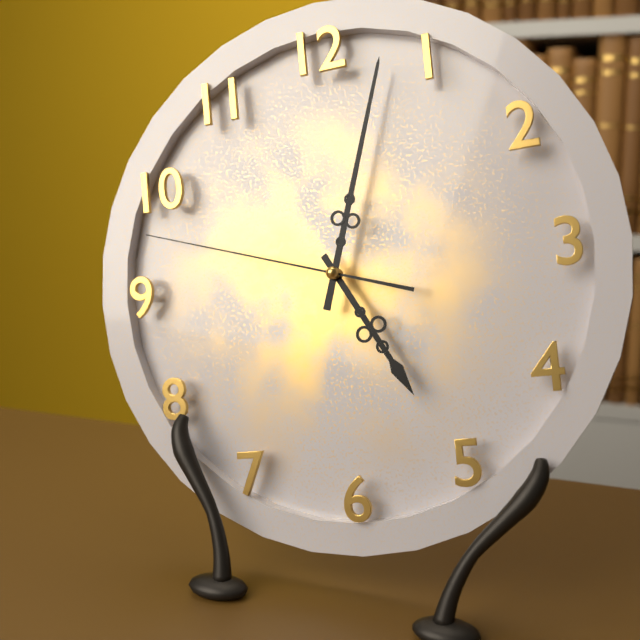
5:03:48
